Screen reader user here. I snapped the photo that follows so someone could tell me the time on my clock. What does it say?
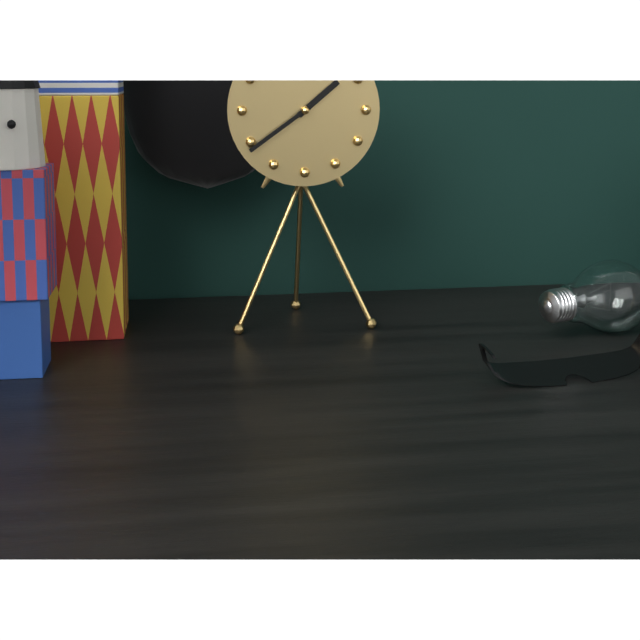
1:39
